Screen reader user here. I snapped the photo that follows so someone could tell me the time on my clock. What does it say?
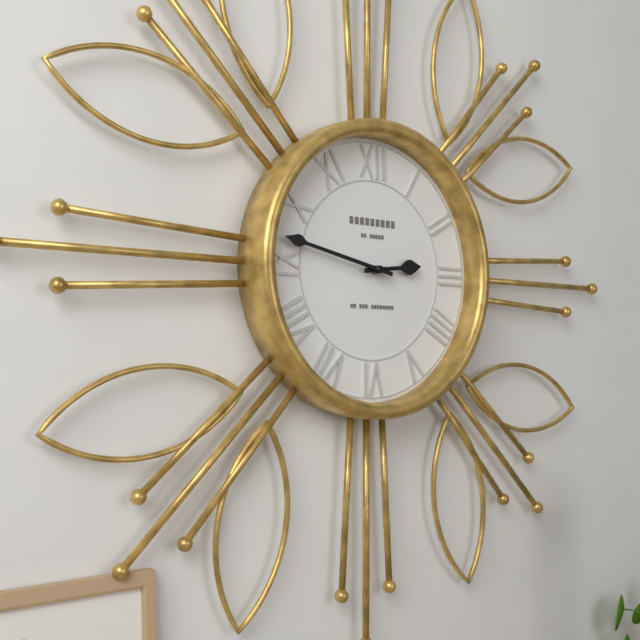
2:47
